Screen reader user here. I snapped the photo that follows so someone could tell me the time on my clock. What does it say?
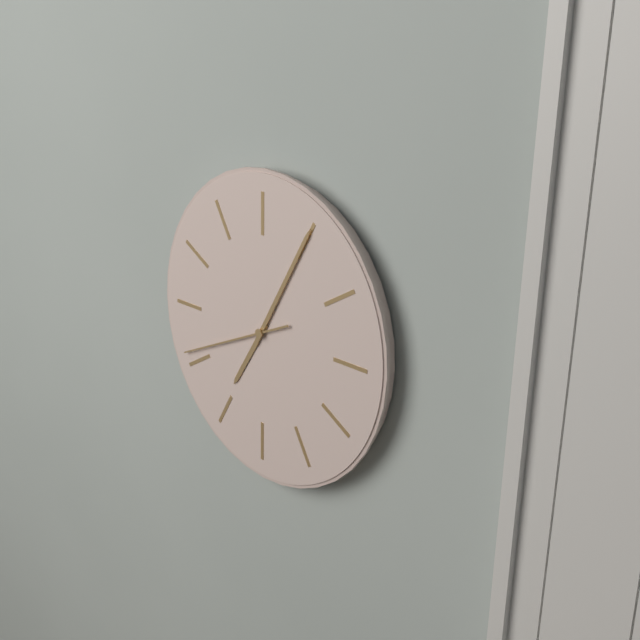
7:05:41
